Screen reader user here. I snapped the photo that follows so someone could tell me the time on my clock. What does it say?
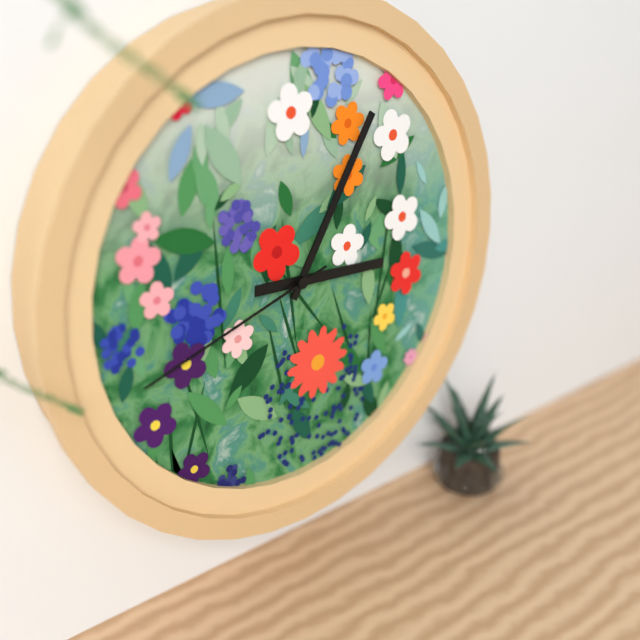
3:05:42
